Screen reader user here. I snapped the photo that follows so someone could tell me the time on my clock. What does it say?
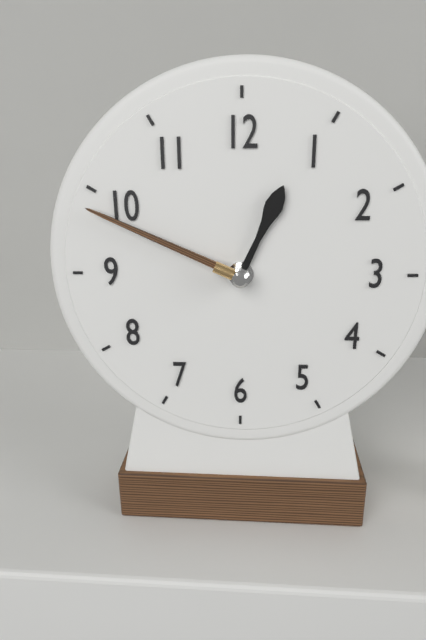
12:49
